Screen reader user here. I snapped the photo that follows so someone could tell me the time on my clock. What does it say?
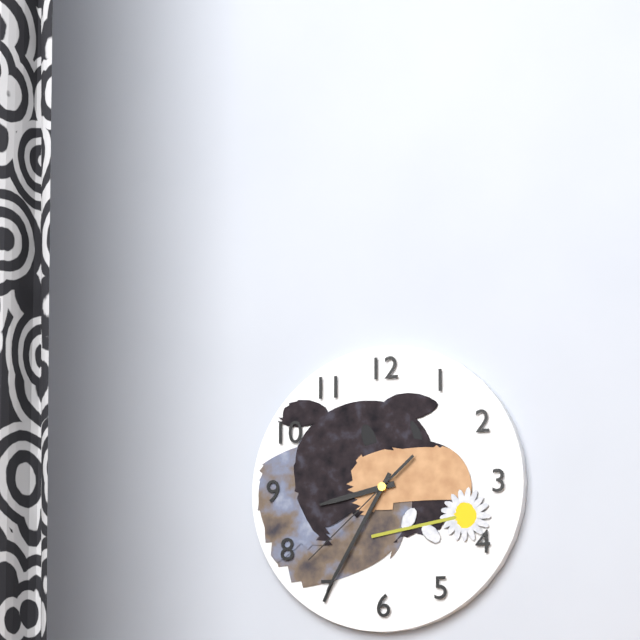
8:35:38
